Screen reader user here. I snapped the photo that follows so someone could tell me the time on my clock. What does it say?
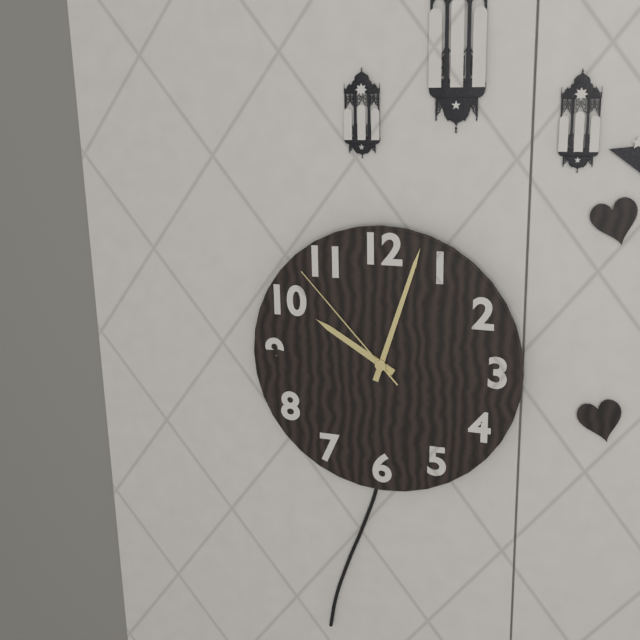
10:03:53
